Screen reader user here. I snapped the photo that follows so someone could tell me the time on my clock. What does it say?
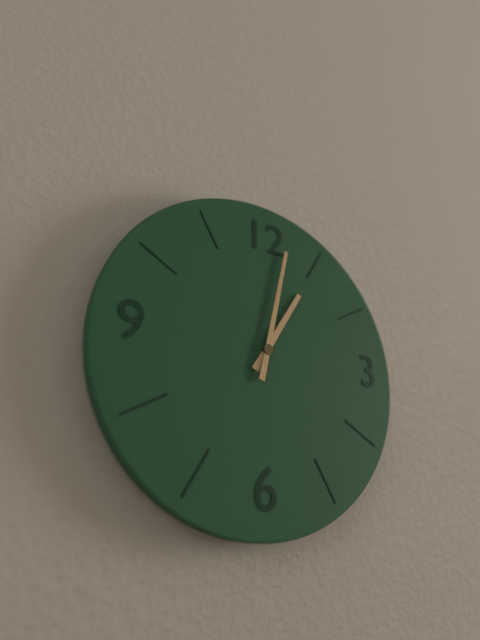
1:02
